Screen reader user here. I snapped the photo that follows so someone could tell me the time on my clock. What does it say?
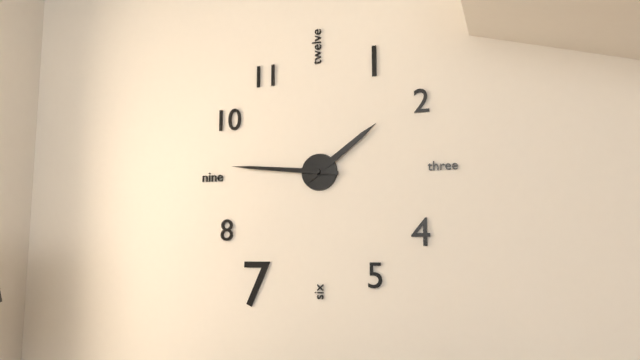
1:46
